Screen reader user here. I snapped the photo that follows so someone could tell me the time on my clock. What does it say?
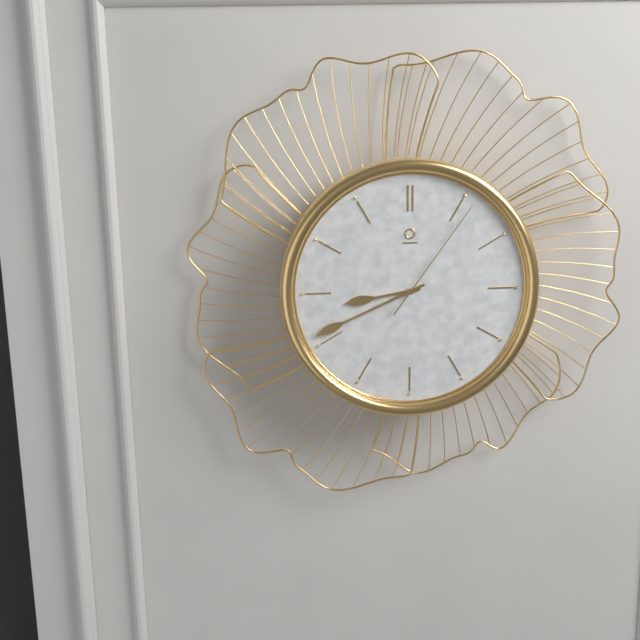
8:41:06
